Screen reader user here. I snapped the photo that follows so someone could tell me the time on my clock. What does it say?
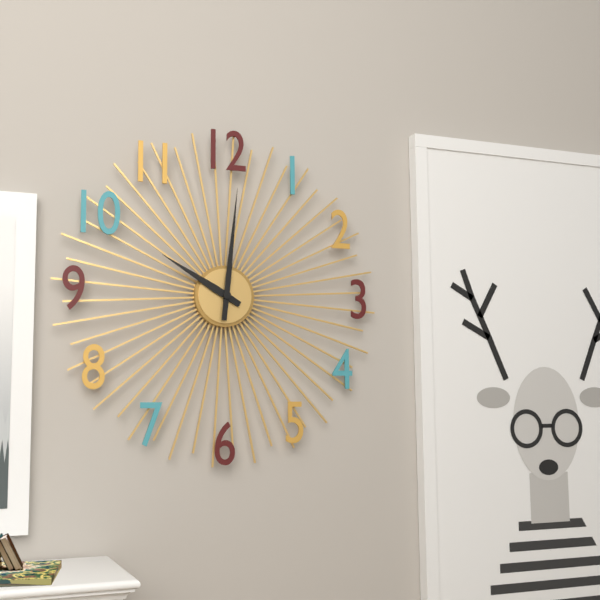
10:01
